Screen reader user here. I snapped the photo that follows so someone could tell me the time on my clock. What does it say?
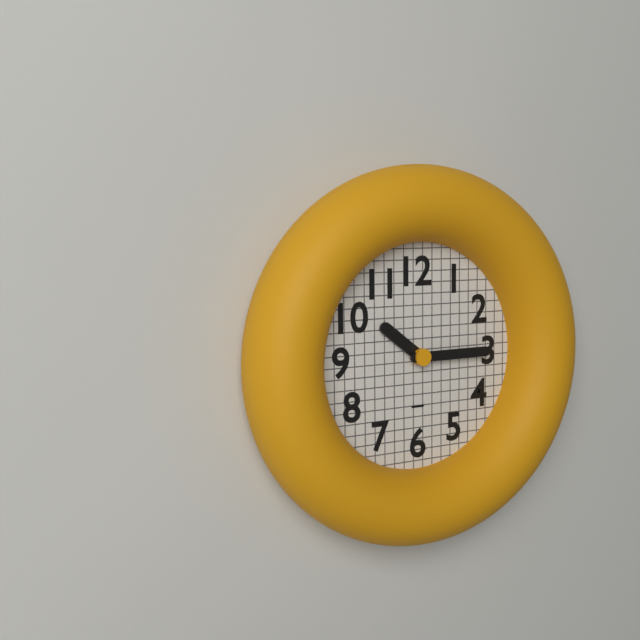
10:15
